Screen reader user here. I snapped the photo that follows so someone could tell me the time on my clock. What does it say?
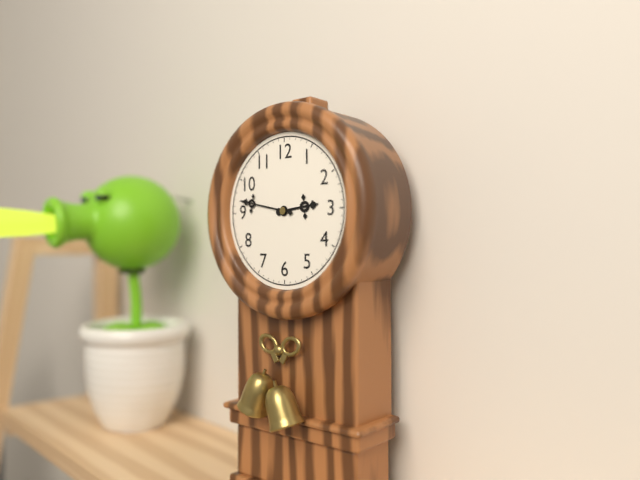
2:47
